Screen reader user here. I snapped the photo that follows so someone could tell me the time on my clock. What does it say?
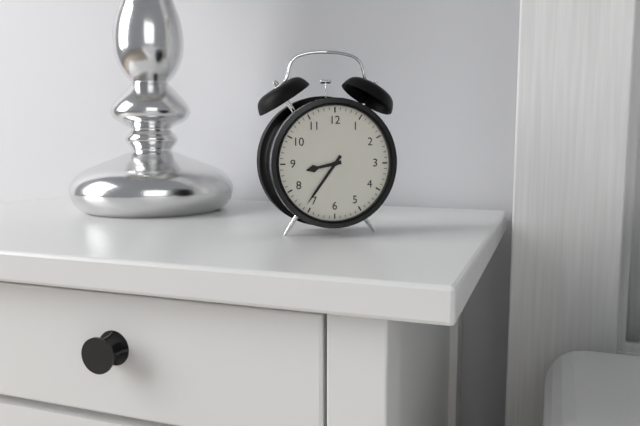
8:36
